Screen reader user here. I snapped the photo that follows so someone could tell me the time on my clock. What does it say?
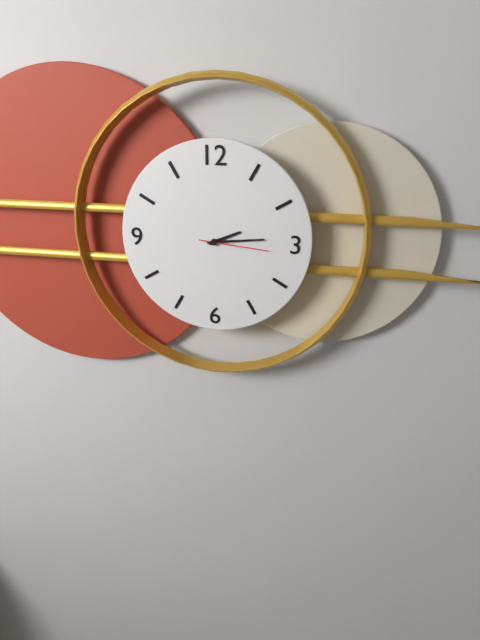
2:14:16
